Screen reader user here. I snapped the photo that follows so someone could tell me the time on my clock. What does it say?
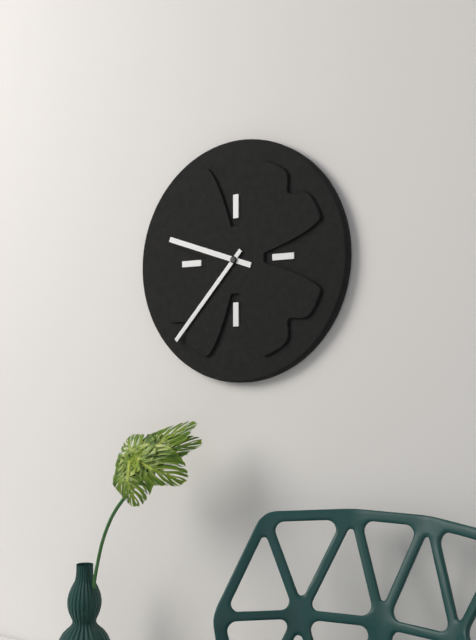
9:37
